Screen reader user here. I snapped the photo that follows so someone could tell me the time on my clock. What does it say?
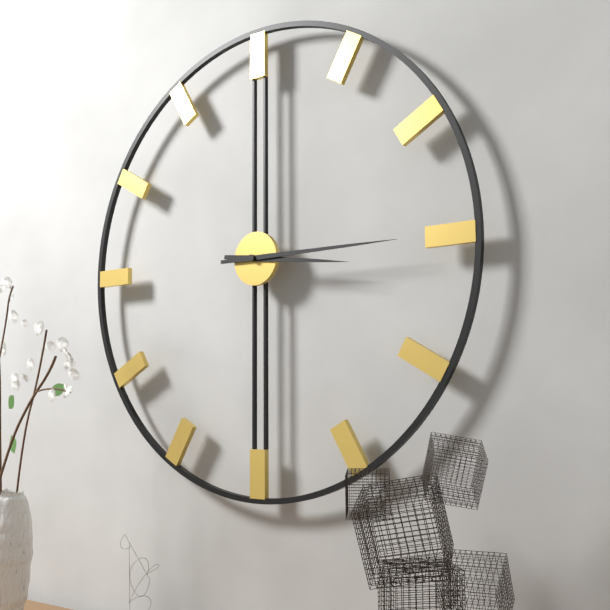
3:15
